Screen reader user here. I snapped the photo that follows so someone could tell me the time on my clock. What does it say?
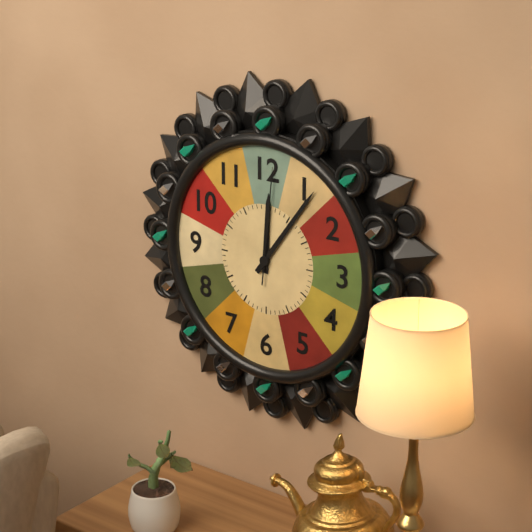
12:06:01
